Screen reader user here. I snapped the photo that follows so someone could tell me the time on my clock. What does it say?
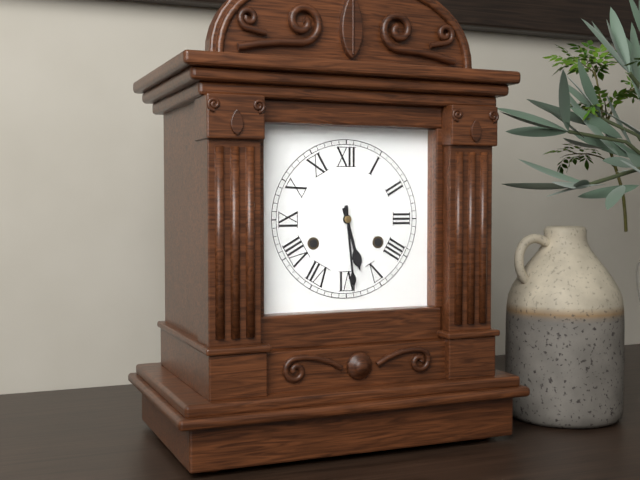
5:29
